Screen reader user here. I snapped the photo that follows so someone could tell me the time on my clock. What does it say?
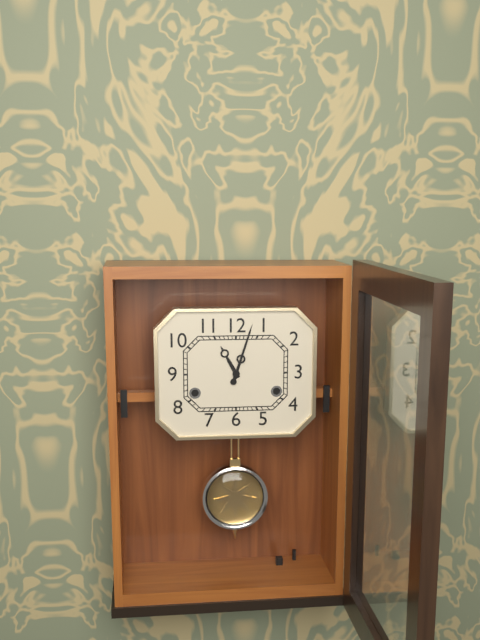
11:03
